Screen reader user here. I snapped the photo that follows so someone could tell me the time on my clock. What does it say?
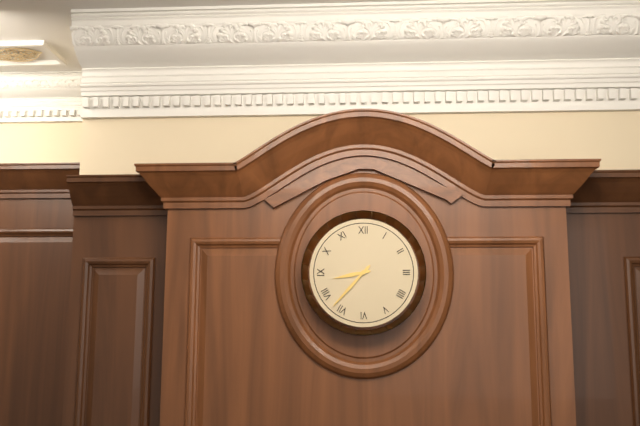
8:37
